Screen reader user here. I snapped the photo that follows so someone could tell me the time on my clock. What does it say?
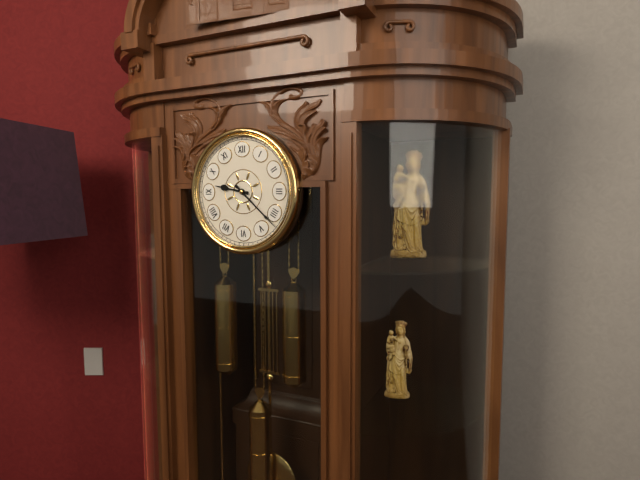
9:22
